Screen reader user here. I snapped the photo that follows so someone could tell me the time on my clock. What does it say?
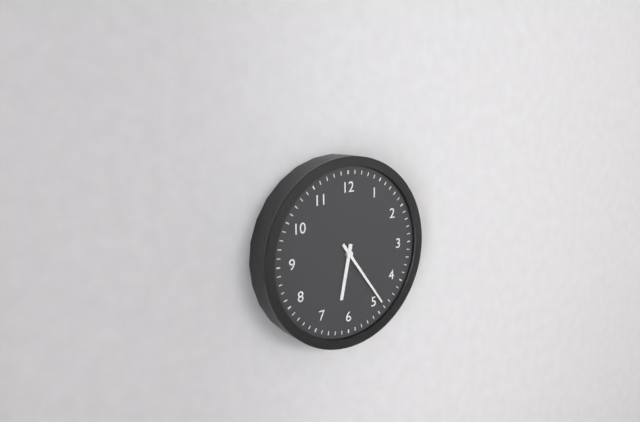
6:24
